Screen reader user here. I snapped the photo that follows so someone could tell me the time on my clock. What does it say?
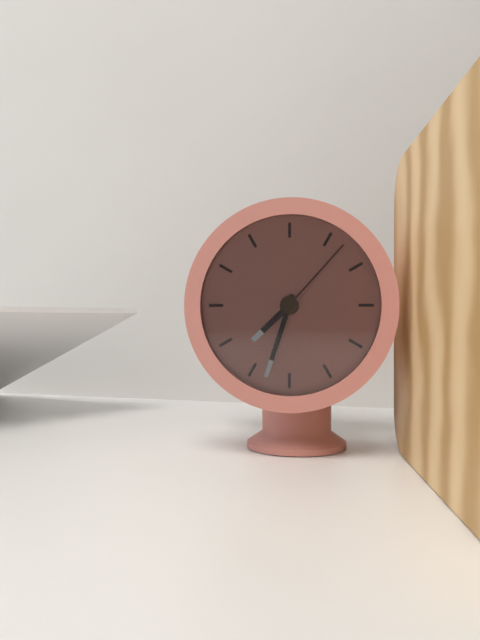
7:33:07
